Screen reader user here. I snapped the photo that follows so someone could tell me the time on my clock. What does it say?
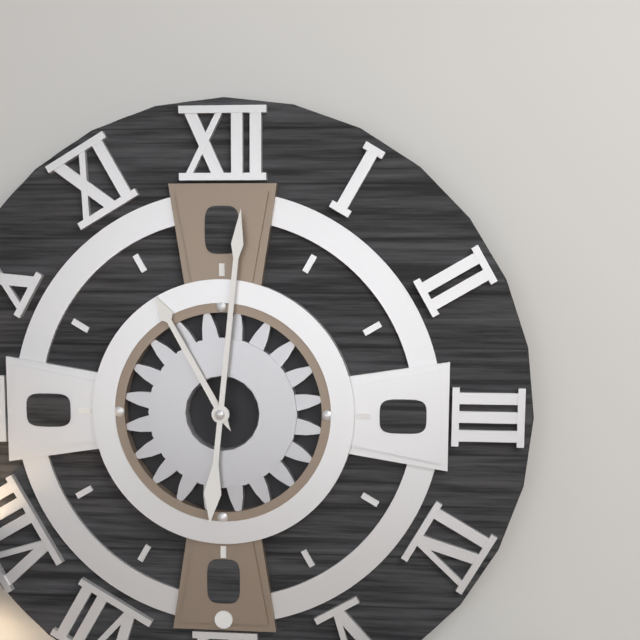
11:01
